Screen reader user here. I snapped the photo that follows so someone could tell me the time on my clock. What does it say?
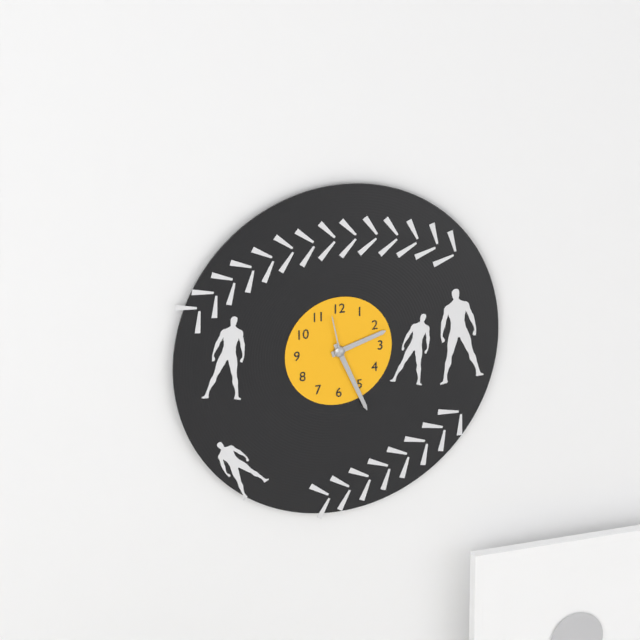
2:26
